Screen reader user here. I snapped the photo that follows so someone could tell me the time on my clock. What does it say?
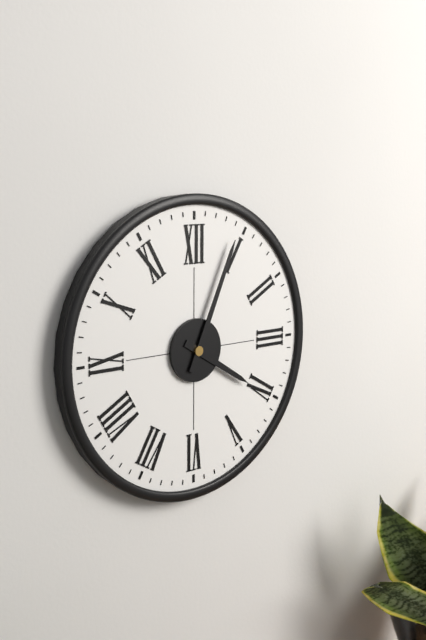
4:04
